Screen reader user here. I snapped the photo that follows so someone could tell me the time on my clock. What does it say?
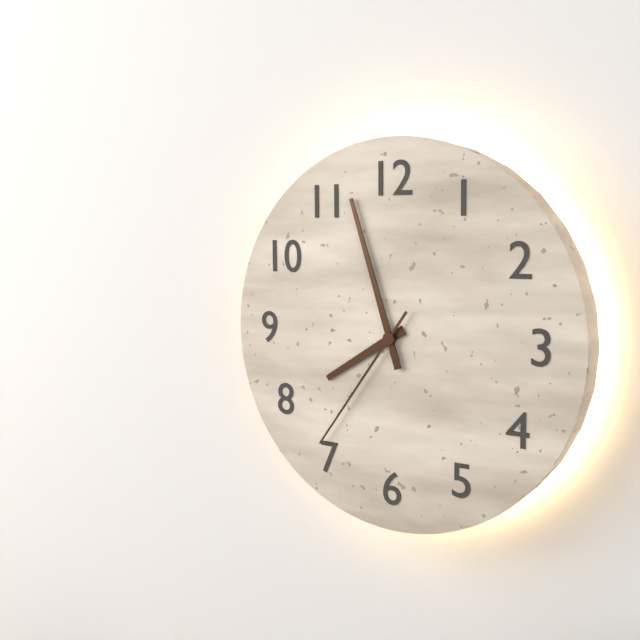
7:57:36
